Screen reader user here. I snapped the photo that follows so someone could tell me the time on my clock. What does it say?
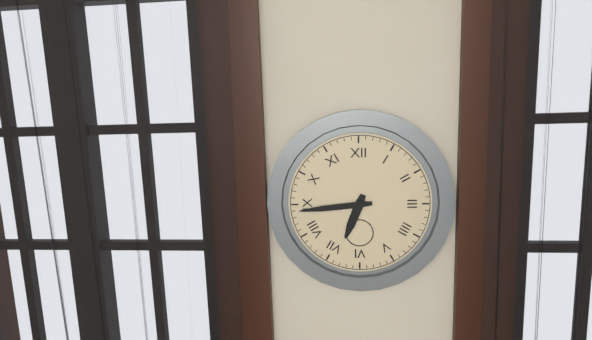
6:44
